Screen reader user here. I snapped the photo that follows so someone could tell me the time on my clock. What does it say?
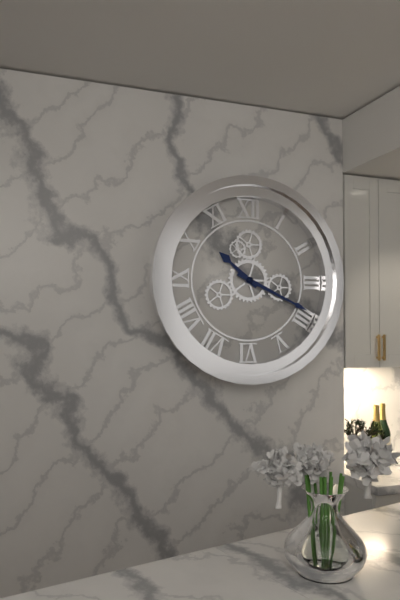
10:19
